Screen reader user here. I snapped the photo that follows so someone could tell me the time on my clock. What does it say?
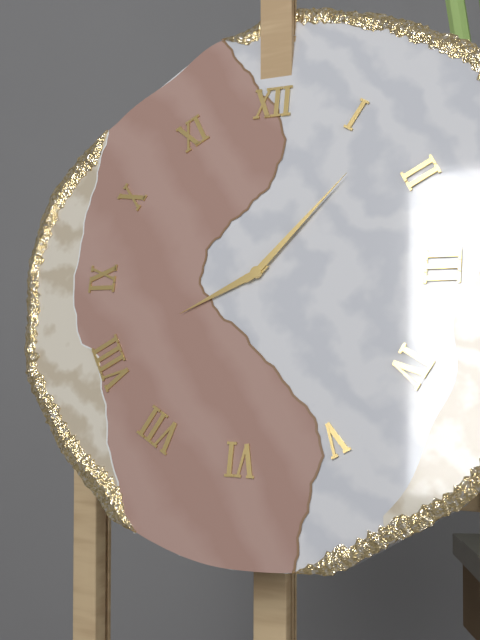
8:07
